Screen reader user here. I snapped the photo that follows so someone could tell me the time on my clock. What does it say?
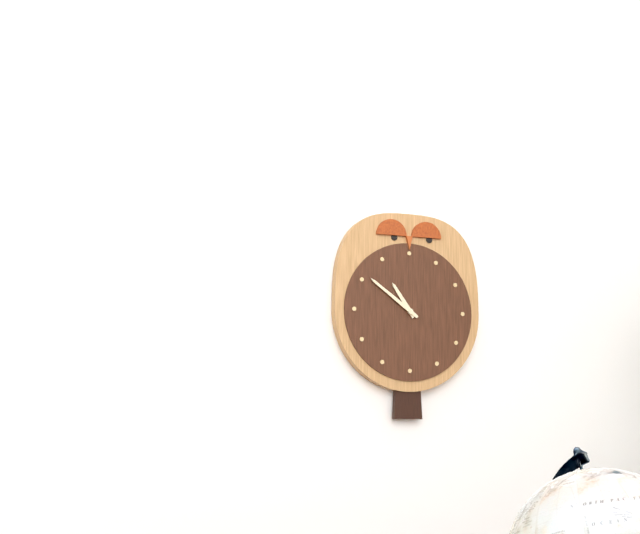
10:51
